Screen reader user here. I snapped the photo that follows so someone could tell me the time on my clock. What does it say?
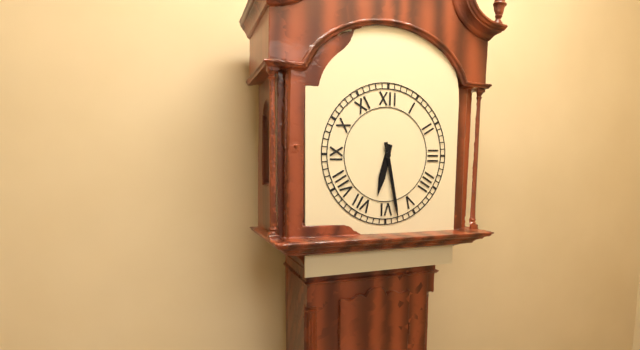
6:28
